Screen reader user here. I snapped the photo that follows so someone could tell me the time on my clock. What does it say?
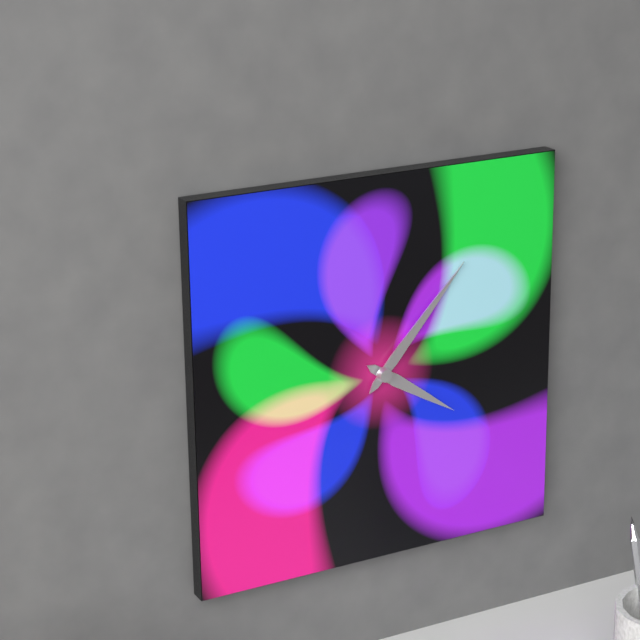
4:07
